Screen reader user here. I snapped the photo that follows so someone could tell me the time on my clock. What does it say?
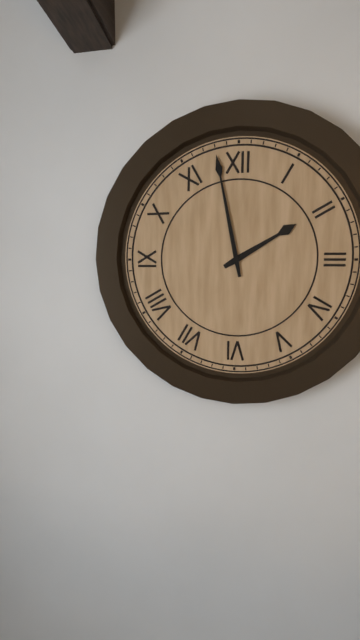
1:58
